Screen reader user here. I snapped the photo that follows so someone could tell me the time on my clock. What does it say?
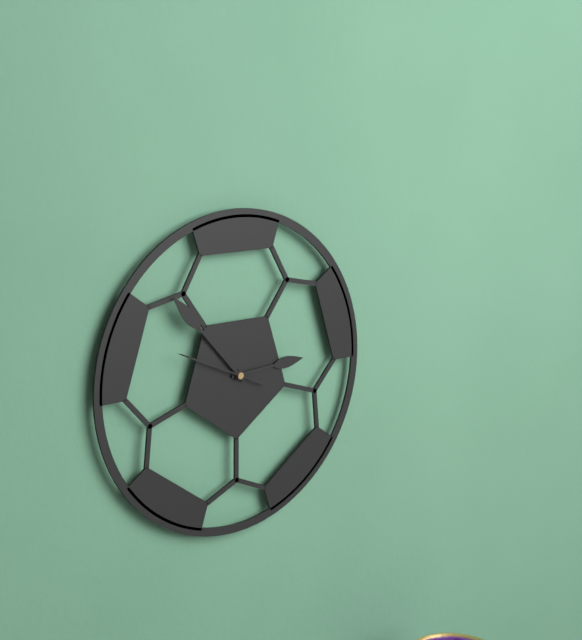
2:53:49
